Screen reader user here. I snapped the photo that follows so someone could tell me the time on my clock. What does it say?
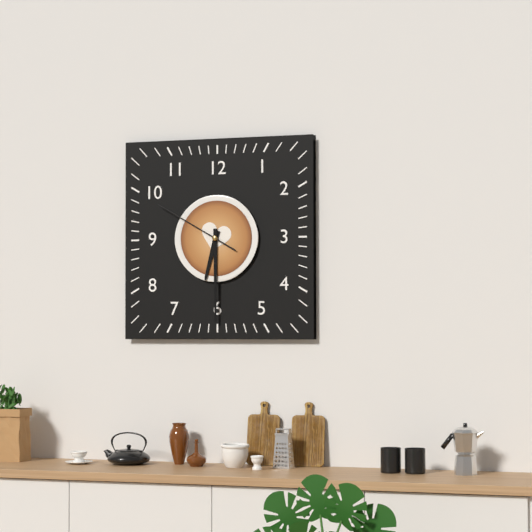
6:30:50
